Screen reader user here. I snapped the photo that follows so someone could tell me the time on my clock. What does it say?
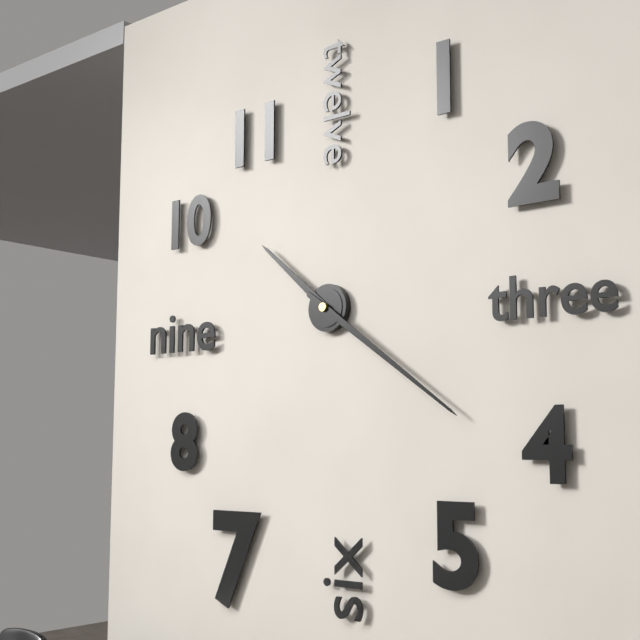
10:21
